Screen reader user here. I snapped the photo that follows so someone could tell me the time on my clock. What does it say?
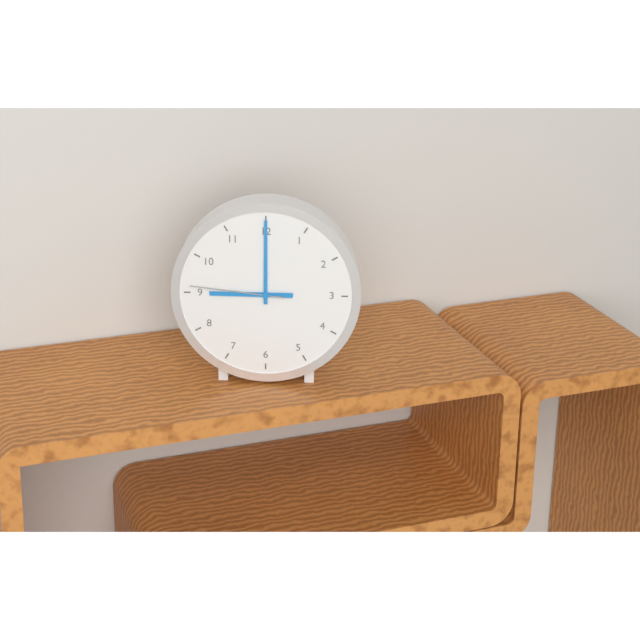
9:00:46
